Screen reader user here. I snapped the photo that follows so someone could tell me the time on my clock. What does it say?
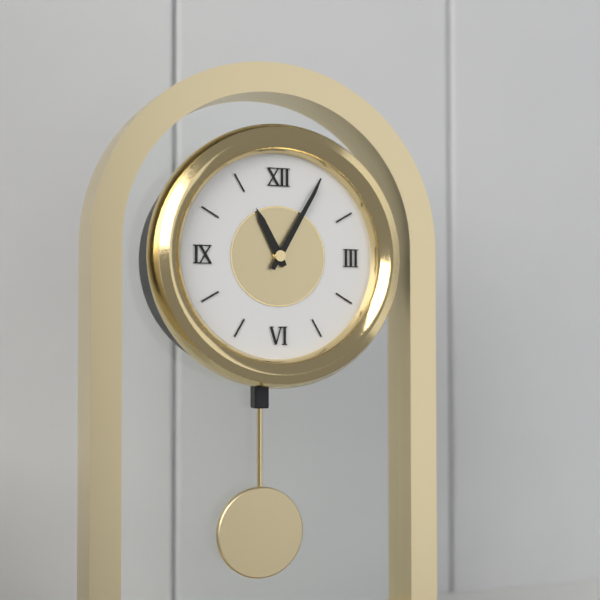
11:05
